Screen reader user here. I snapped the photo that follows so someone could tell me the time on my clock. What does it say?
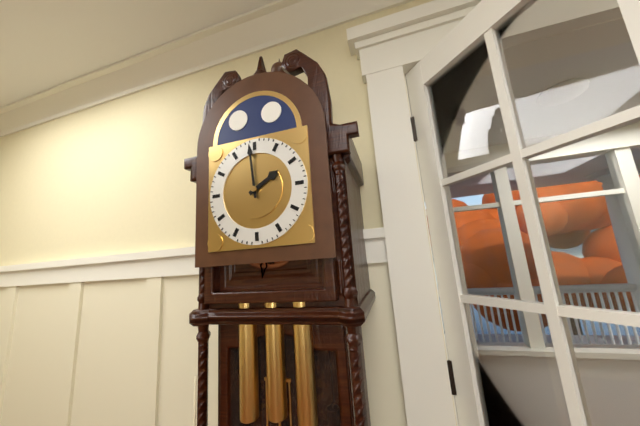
1:59
